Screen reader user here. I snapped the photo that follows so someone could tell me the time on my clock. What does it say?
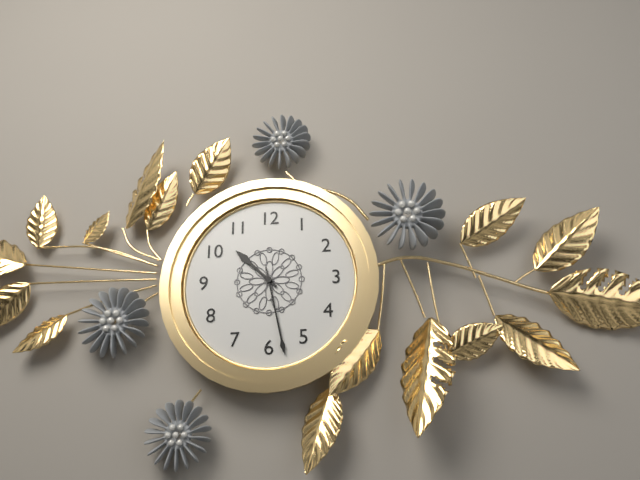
10:28
